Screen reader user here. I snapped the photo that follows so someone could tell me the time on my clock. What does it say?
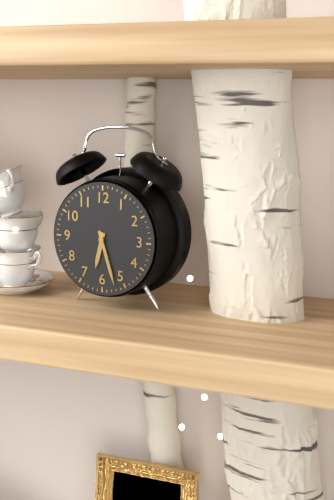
6:27
